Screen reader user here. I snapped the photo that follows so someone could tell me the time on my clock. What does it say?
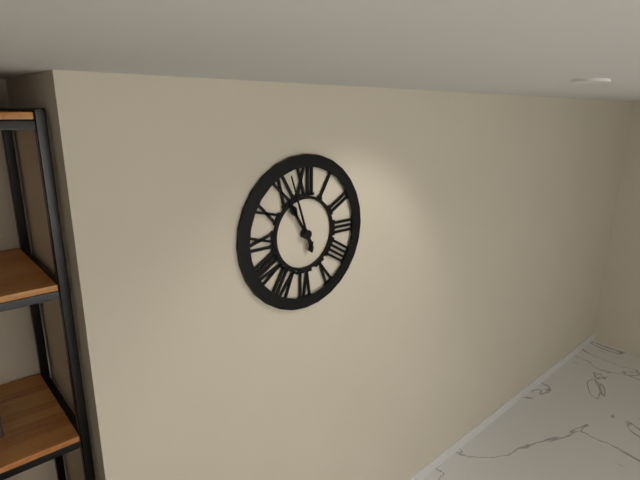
10:57
